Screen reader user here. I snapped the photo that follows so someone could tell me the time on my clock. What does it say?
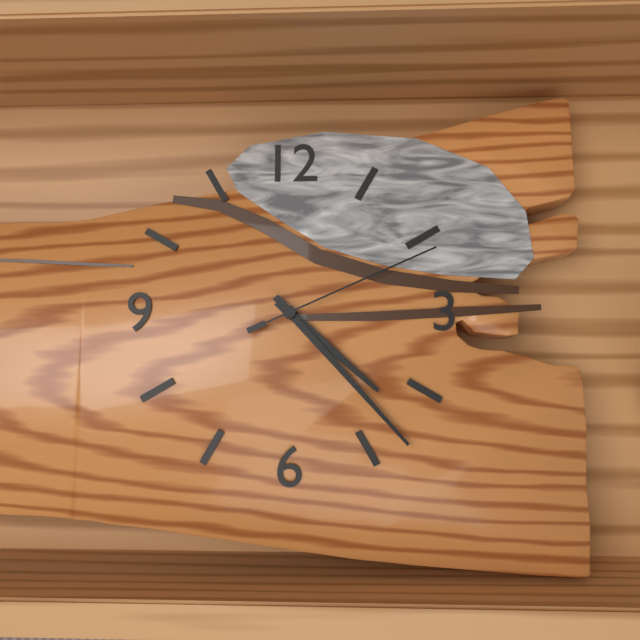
4:23:11
